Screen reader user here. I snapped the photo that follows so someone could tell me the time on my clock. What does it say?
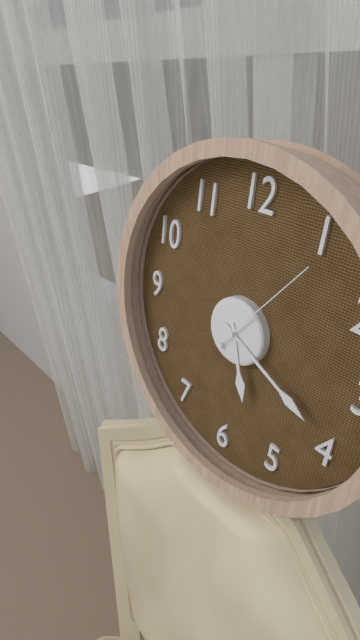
5:19:06
